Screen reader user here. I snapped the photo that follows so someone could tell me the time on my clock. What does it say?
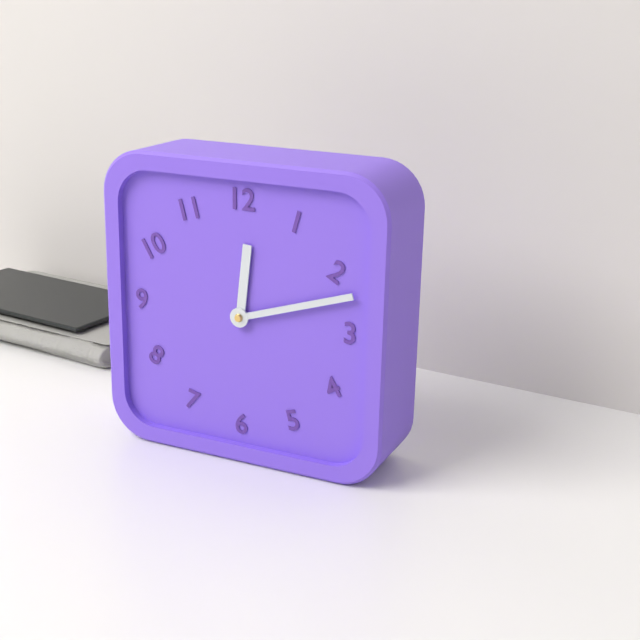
12:12
